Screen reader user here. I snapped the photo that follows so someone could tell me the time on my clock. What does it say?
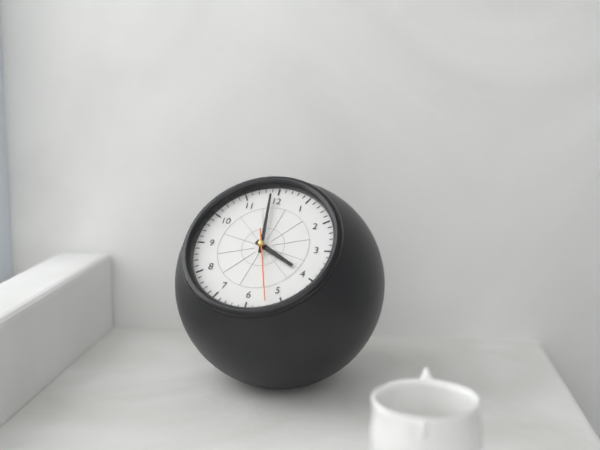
3:59:27
